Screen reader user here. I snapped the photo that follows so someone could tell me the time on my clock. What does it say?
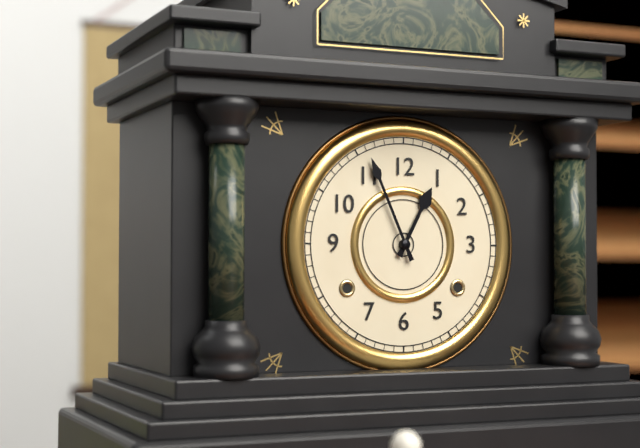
12:56
